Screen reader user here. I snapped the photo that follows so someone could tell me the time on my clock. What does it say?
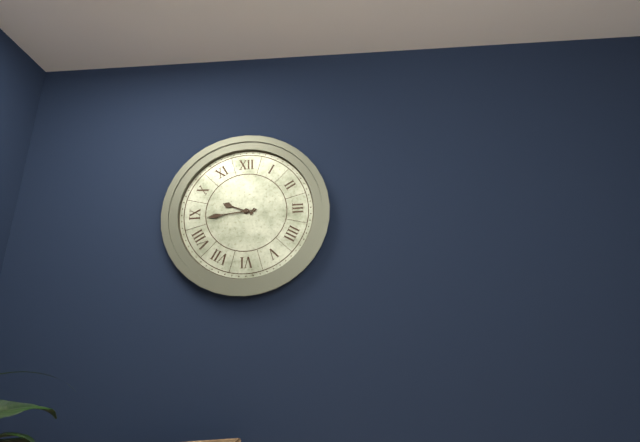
9:44
